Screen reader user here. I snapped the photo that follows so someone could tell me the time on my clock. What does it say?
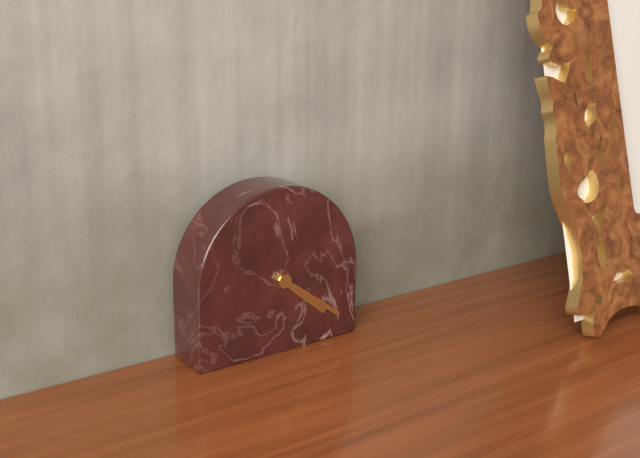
4:21
